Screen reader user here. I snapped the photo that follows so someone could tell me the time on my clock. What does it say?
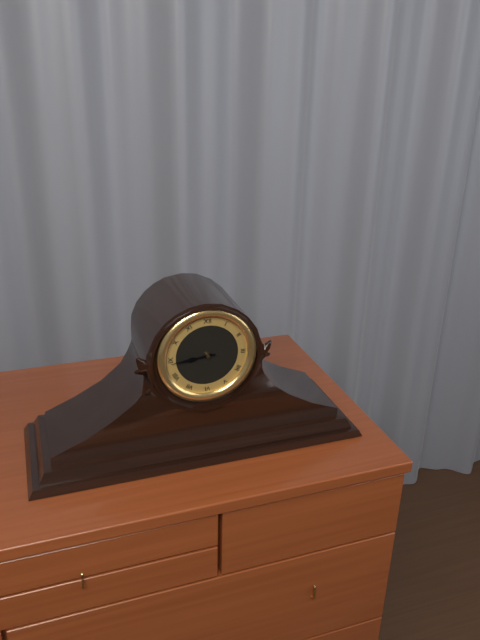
8:44
